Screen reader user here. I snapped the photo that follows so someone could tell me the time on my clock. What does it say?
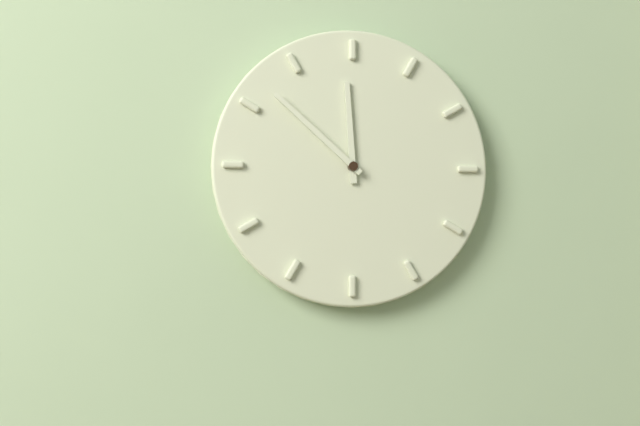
11:52
